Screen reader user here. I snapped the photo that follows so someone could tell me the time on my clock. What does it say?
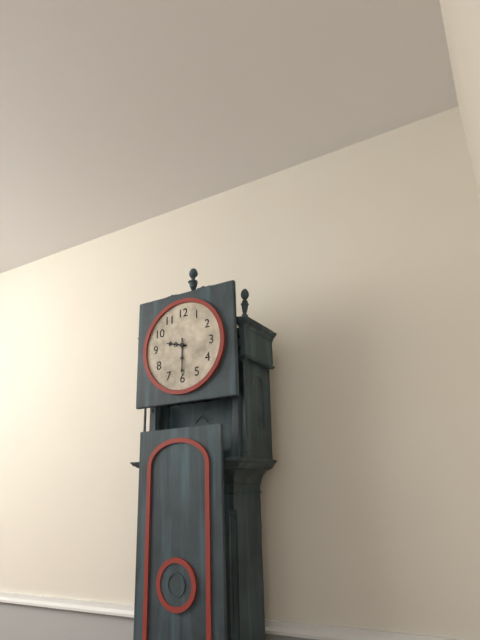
9:30
